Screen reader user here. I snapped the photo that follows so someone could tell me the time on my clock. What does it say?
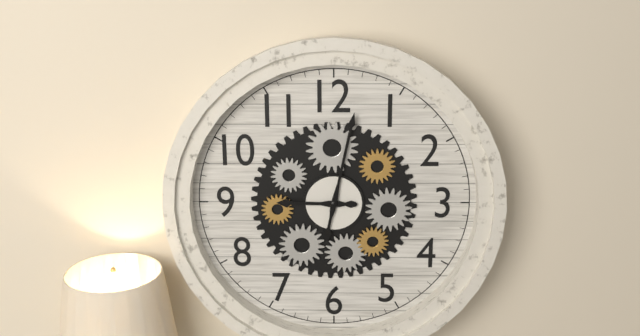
9:02
